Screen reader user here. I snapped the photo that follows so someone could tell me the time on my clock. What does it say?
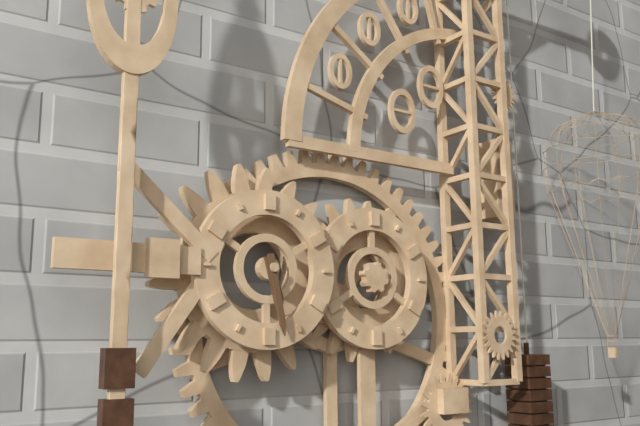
5:28
